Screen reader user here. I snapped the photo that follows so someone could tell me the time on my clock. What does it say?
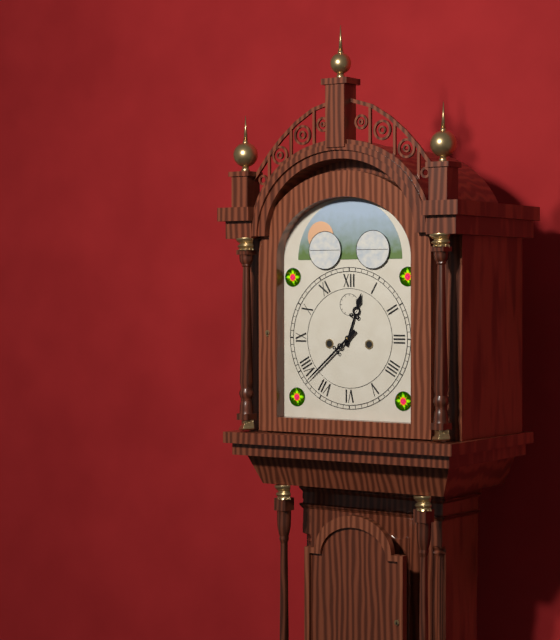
12:38
